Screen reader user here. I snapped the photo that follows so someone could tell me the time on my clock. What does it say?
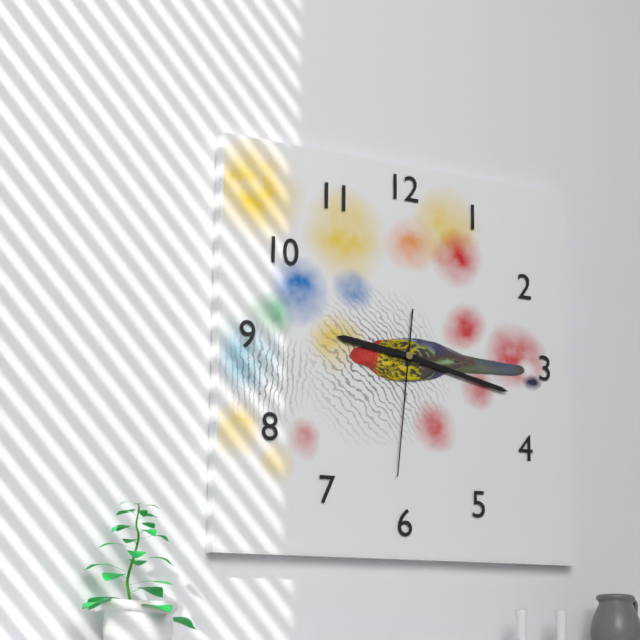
9:17:31
